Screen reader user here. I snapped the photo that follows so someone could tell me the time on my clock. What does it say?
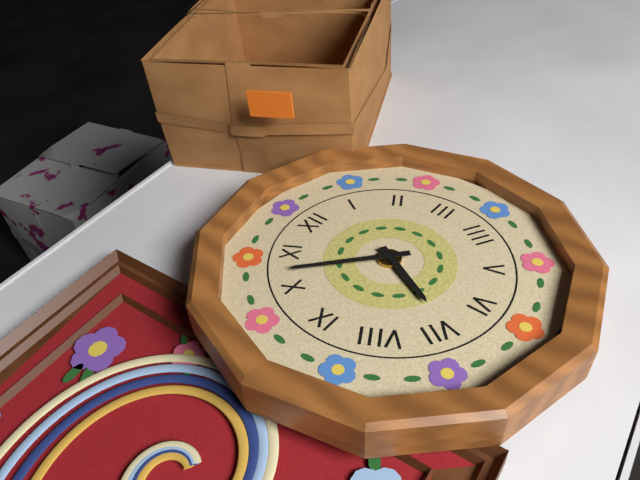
6:52
